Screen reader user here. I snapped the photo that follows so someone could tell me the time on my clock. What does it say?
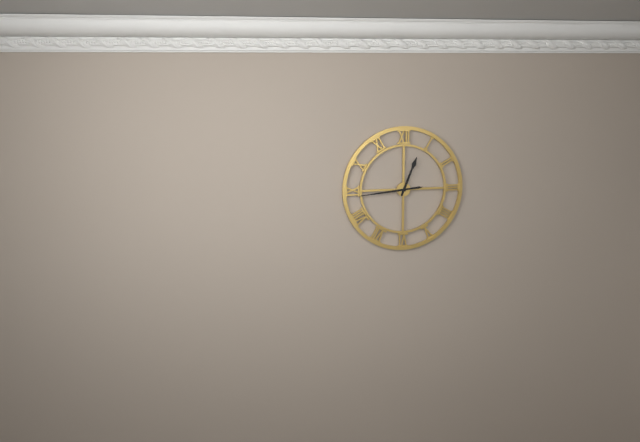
12:44
